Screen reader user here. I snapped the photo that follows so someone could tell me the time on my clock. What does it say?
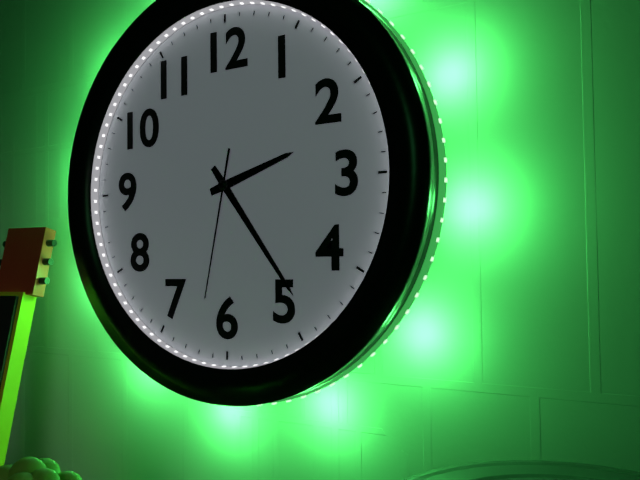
2:24:32
